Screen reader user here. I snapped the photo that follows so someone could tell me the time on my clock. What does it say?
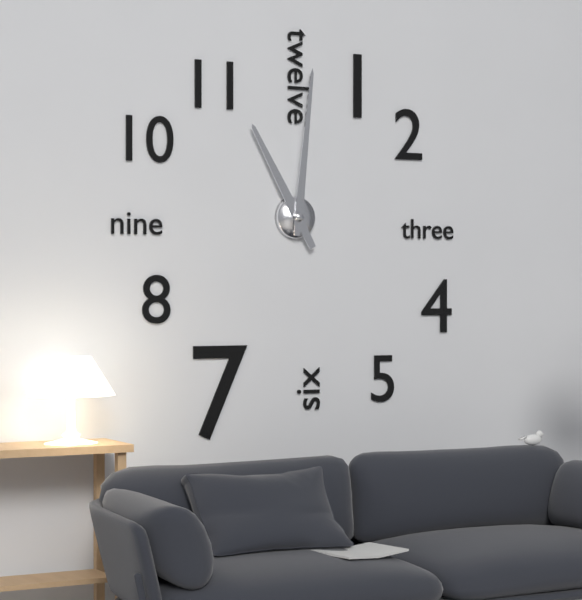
11:01
